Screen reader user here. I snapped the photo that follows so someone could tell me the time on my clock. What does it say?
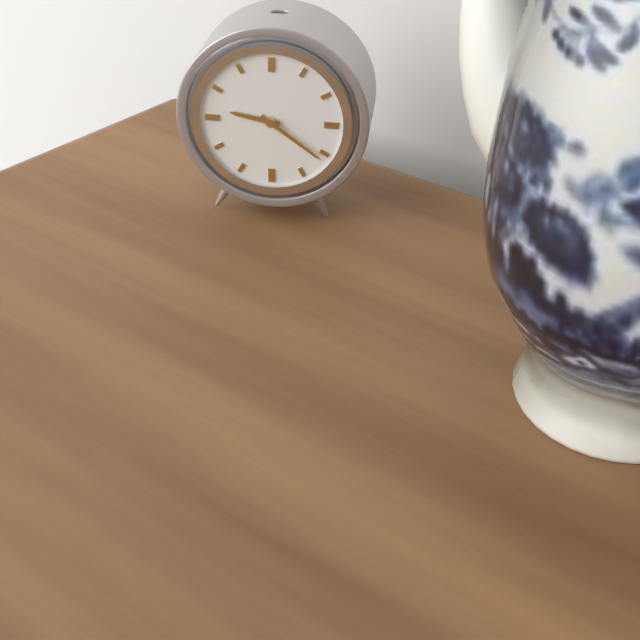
9:21
